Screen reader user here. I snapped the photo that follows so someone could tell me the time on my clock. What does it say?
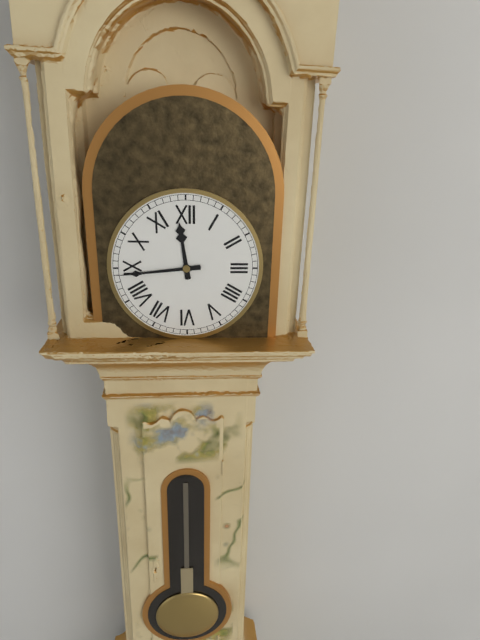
11:44
